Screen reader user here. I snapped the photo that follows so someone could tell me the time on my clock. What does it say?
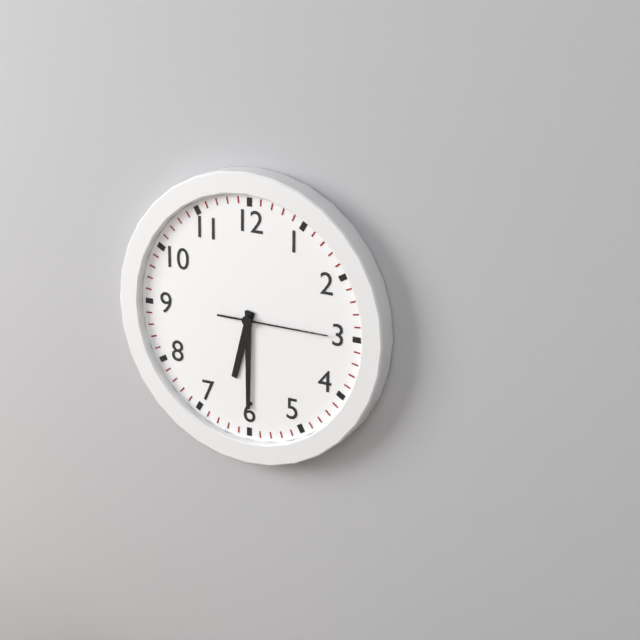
6:30:15
